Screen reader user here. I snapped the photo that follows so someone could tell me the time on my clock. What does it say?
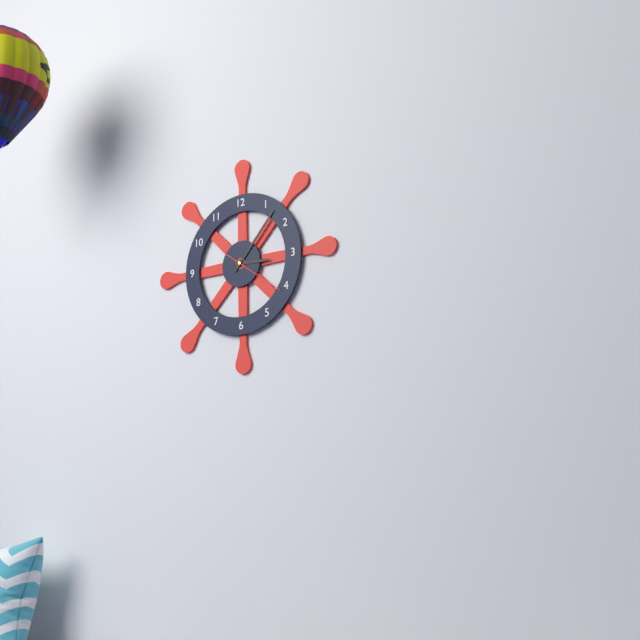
3:07:21
